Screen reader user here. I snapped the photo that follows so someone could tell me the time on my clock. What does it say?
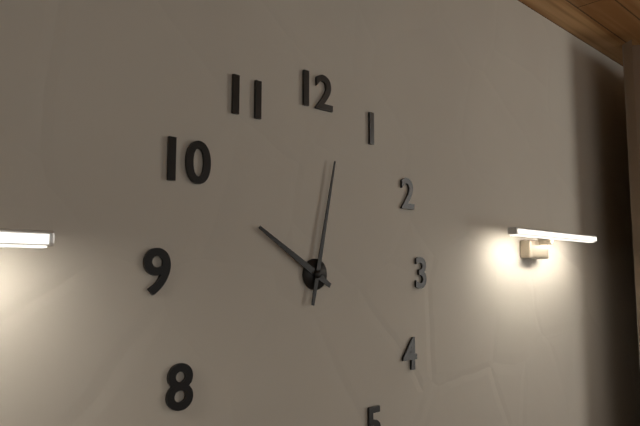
10:02
